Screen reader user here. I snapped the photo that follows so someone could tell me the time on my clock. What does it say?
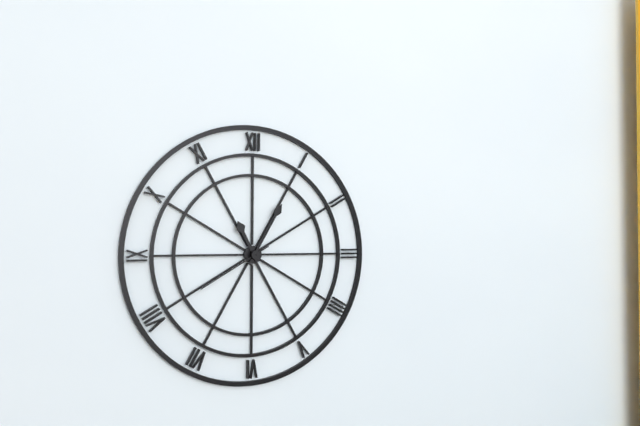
11:05:40
